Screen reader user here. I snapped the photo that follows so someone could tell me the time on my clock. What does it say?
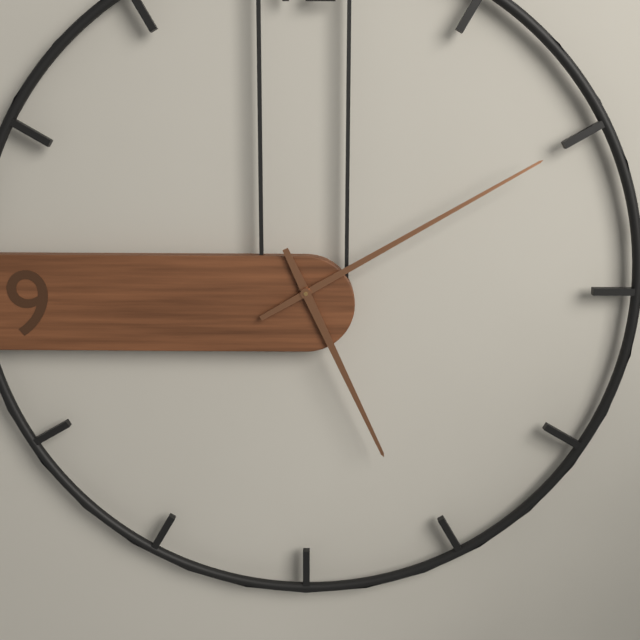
5:10
